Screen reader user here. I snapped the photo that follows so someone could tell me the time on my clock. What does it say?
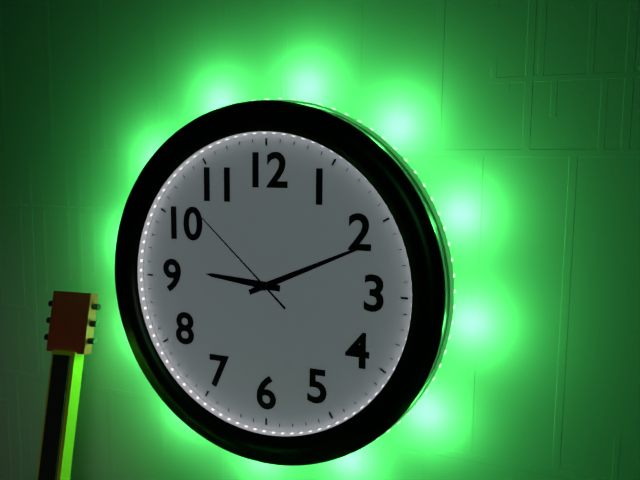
9:11:52
